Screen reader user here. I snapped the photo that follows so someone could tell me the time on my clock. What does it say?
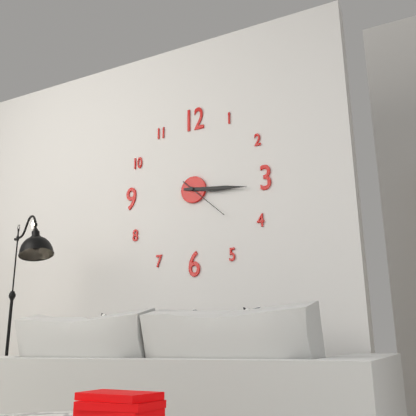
3:16:22
